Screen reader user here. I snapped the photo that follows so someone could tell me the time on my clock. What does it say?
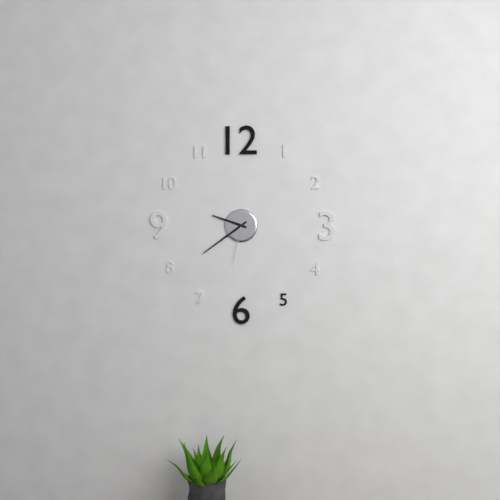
9:39:32
